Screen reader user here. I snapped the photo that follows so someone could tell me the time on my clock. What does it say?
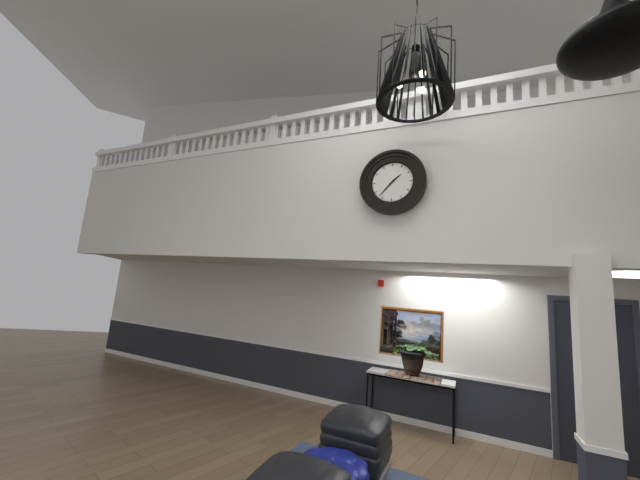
1:37
